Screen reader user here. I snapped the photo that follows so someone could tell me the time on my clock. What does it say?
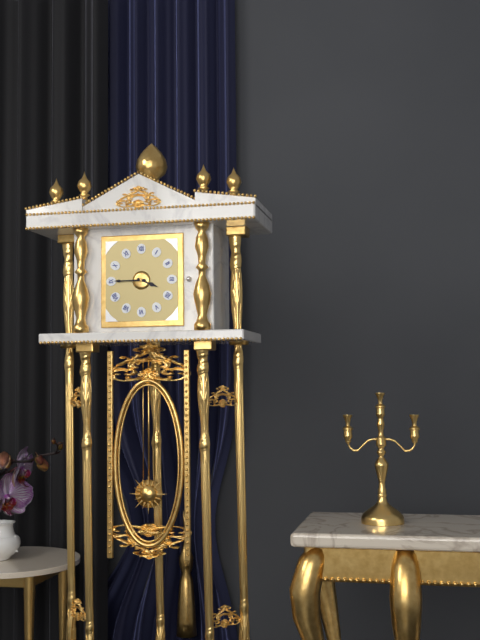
3:45
